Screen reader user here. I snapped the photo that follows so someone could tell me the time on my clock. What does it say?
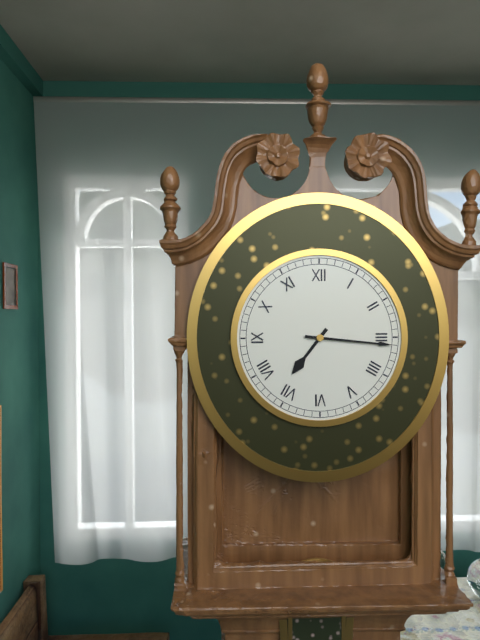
7:16
